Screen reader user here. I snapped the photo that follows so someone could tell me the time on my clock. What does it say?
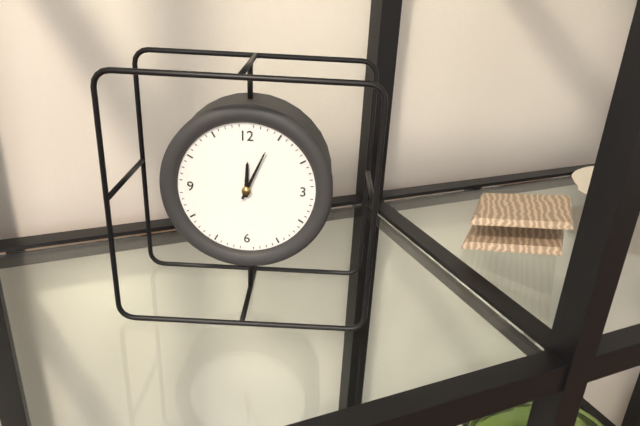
12:04
